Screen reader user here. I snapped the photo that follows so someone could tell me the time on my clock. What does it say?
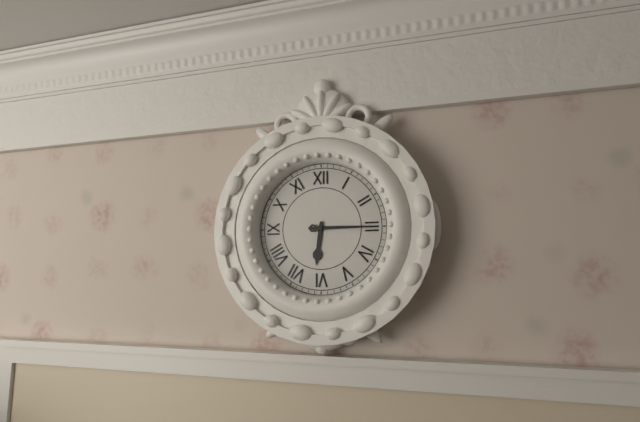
6:15
